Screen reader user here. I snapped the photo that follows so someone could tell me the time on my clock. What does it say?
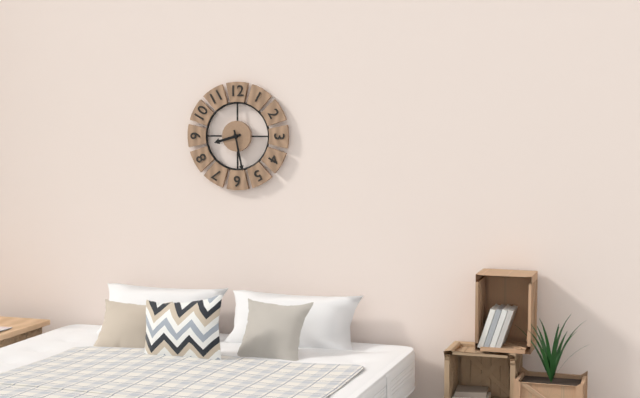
8:28
